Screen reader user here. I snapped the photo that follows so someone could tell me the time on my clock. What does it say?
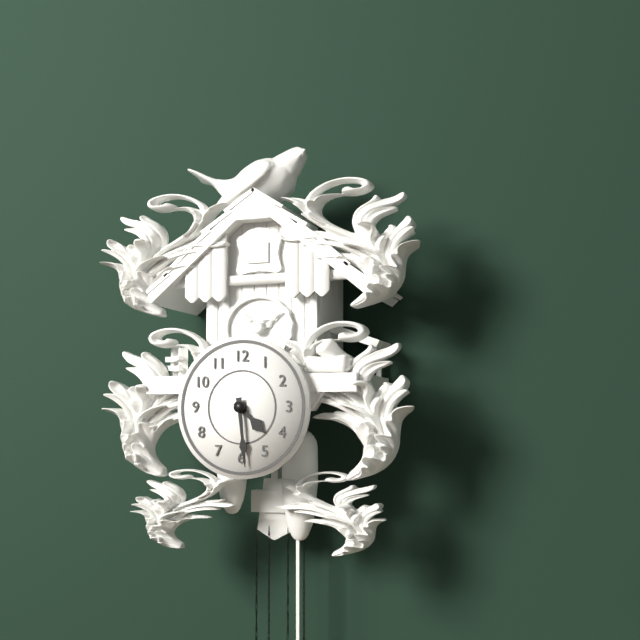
4:29
